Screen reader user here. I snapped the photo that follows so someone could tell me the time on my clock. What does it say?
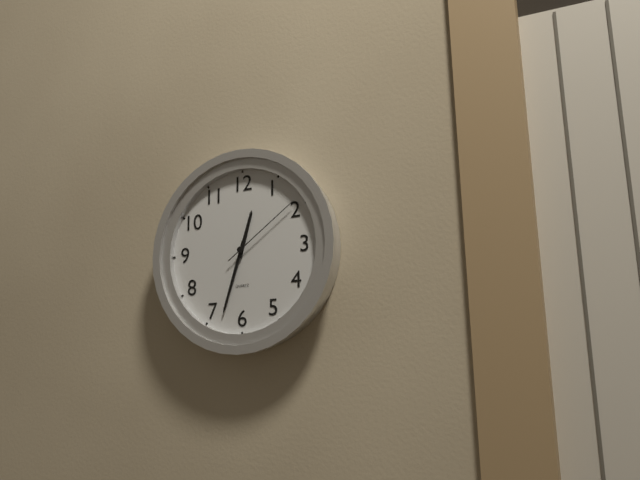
12:33:09
